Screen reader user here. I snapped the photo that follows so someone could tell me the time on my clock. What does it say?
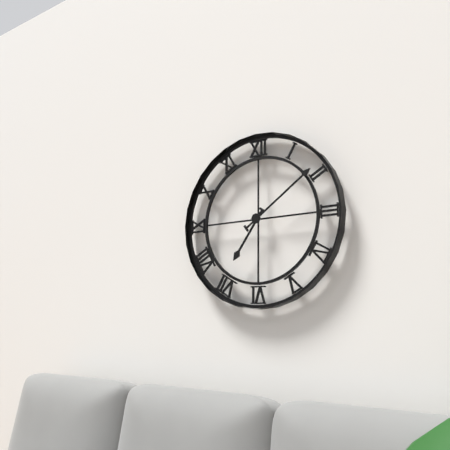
7:09
